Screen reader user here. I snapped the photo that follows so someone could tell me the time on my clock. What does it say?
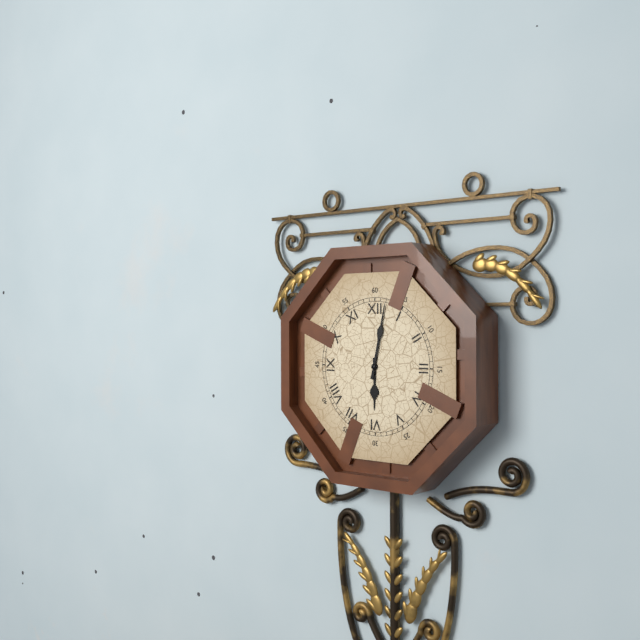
6:02
